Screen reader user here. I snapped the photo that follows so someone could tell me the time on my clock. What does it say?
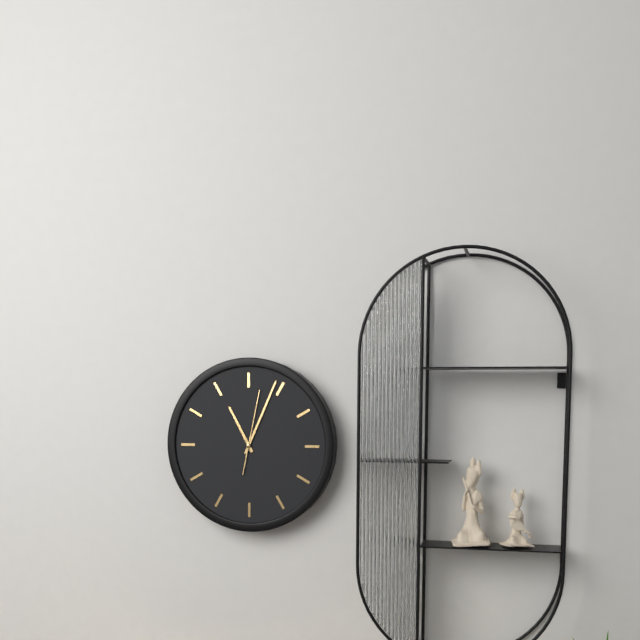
11:04:02
